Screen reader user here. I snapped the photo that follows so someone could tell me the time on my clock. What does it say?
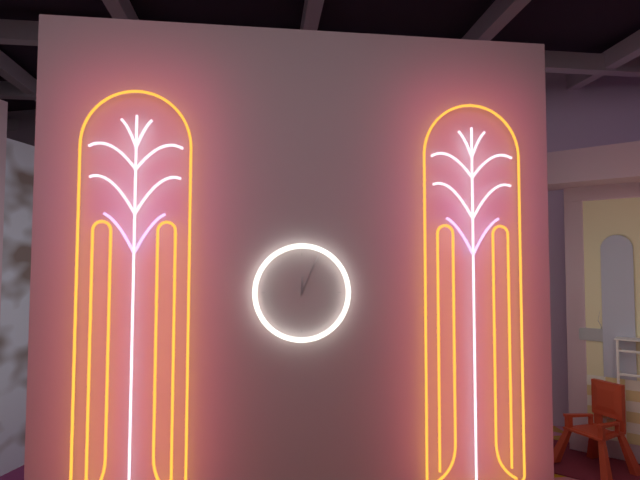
12:04
